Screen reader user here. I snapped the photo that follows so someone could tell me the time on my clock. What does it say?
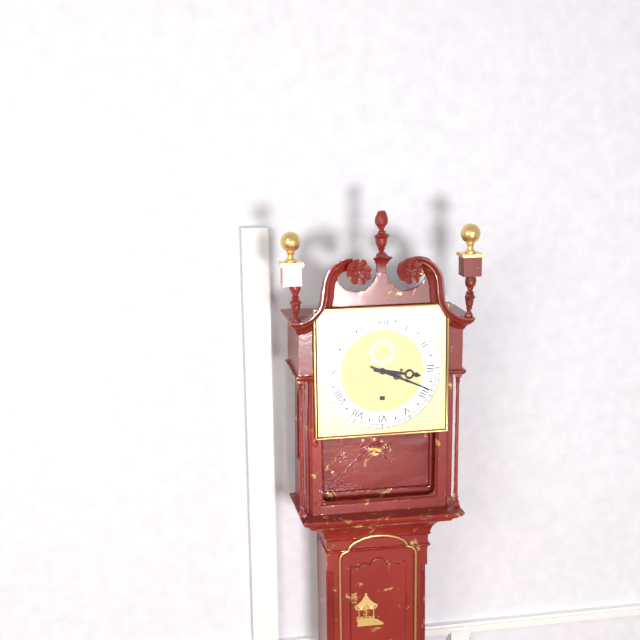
3:19
